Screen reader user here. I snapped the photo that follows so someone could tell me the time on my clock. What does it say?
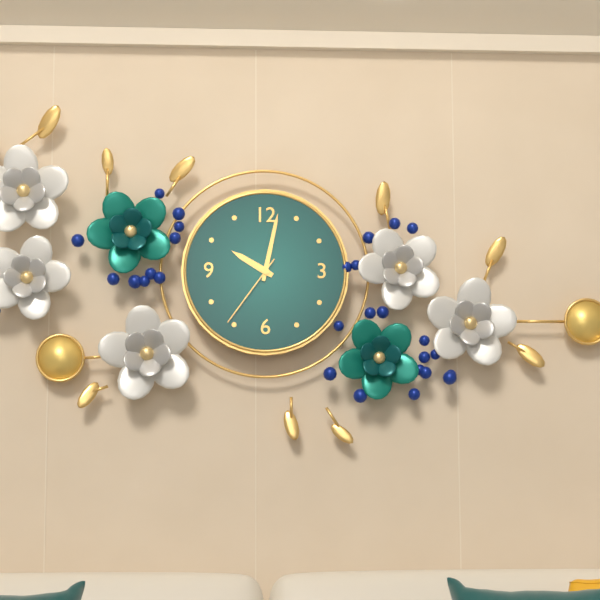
10:02:36
